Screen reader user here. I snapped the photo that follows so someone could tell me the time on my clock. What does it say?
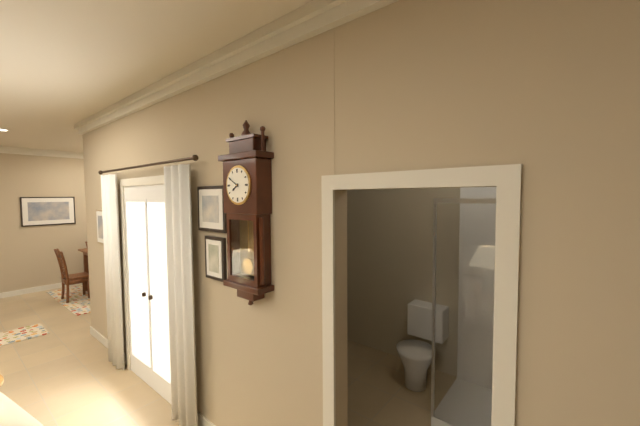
7:50
